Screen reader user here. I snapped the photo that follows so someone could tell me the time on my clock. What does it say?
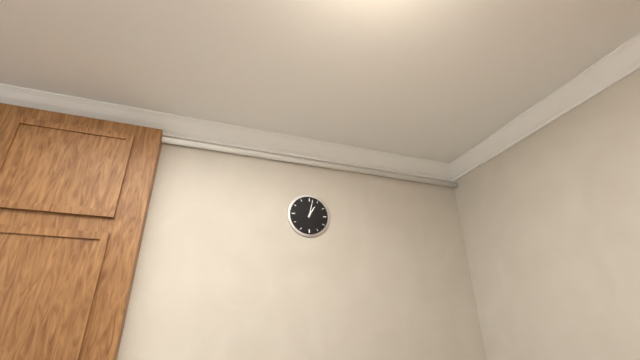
1:02
